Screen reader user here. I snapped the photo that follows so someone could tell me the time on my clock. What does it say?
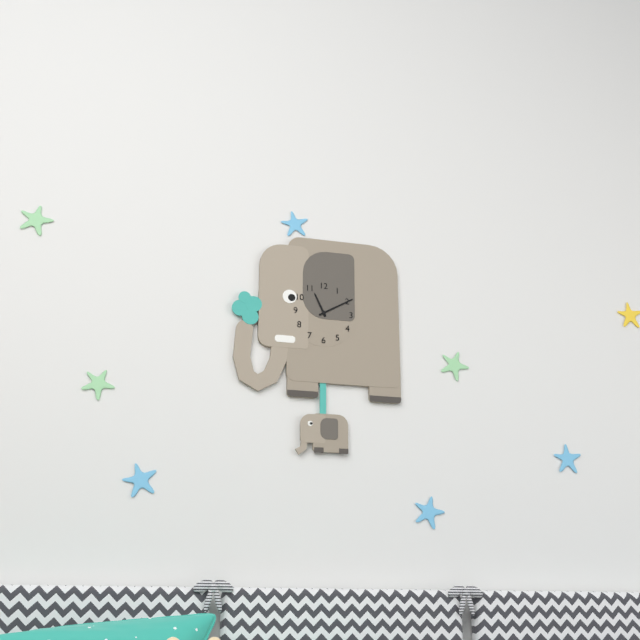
11:10
